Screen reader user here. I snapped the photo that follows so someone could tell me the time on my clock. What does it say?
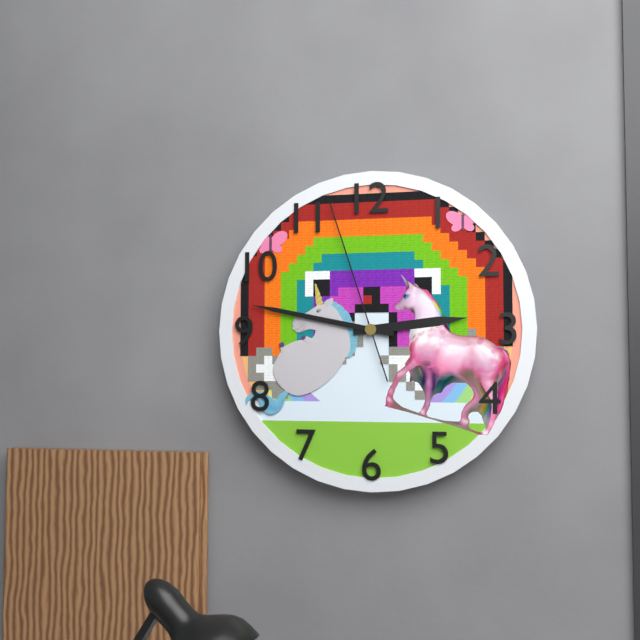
2:47:57
